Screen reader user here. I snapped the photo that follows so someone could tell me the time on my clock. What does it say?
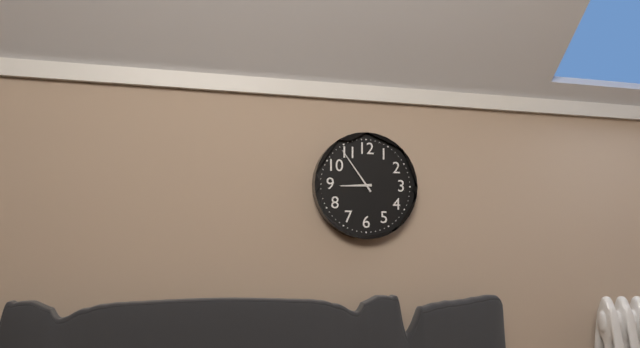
8:54
